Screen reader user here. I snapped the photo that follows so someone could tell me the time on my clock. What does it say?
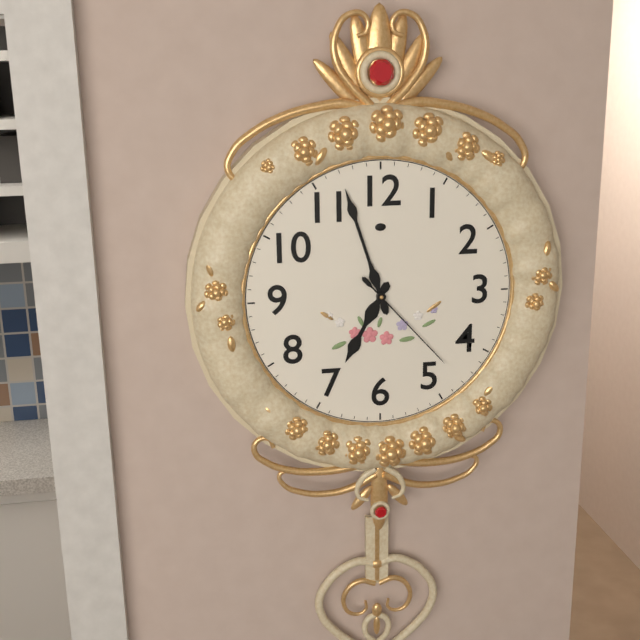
6:57:23
